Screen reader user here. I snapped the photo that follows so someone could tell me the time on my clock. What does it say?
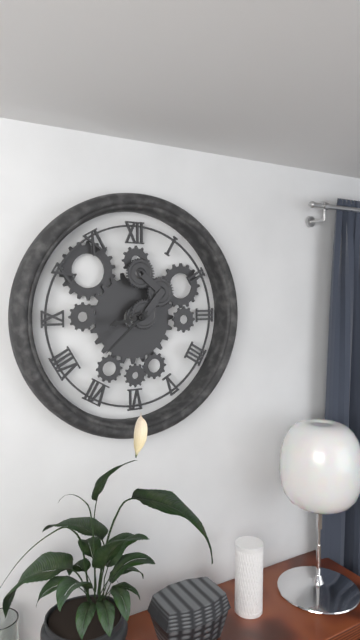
8:38
